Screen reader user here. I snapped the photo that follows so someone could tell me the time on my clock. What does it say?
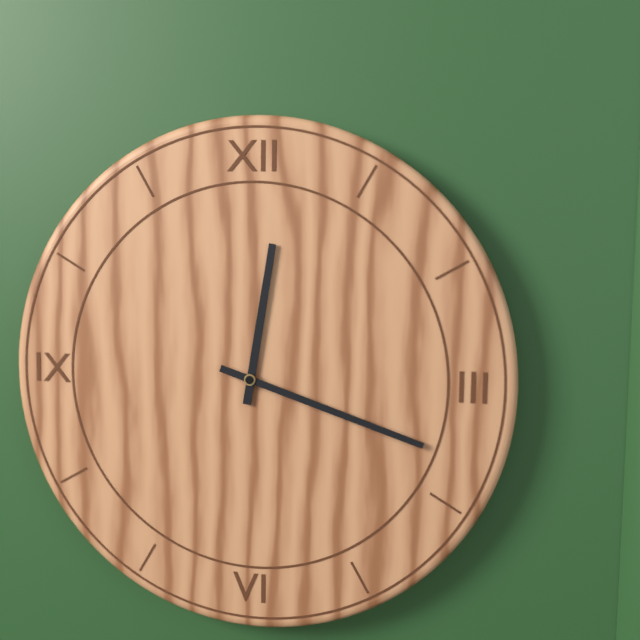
12:18
